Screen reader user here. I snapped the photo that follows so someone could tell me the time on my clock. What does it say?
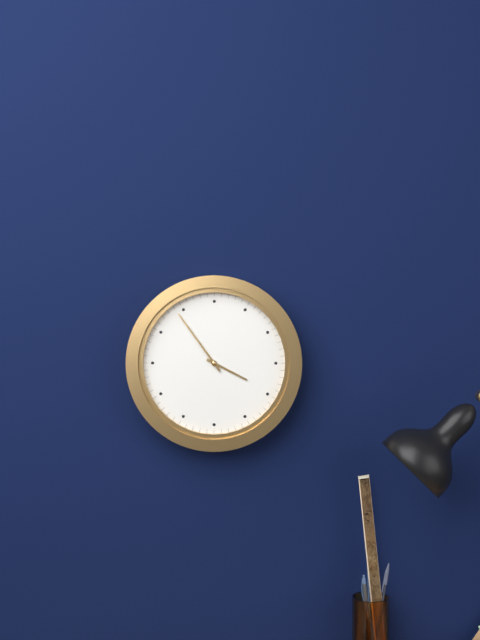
3:54
